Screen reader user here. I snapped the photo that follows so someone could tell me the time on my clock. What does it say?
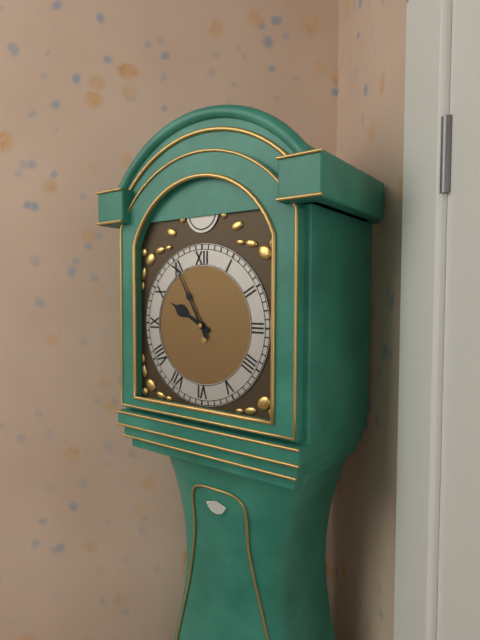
9:55
